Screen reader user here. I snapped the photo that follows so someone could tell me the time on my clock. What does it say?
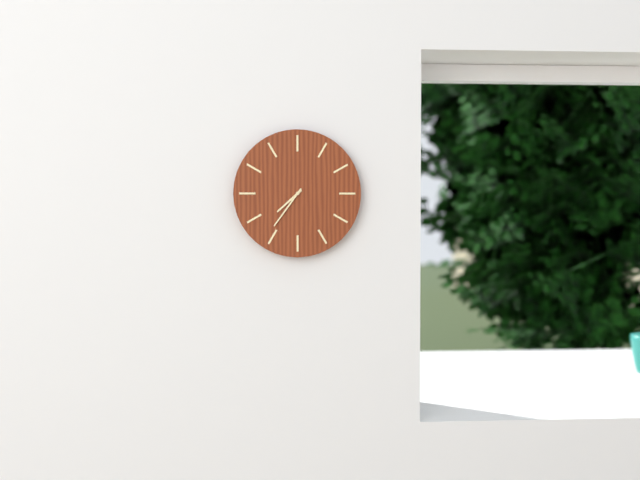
7:36
